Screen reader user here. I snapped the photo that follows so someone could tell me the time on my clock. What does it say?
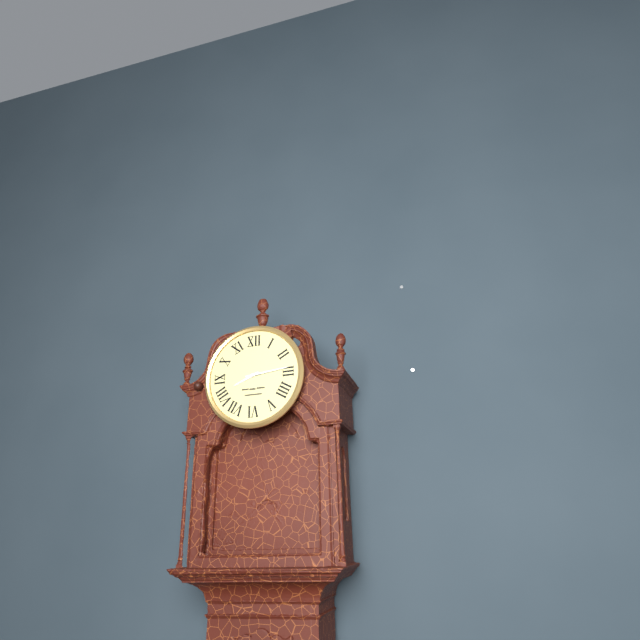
8:14
